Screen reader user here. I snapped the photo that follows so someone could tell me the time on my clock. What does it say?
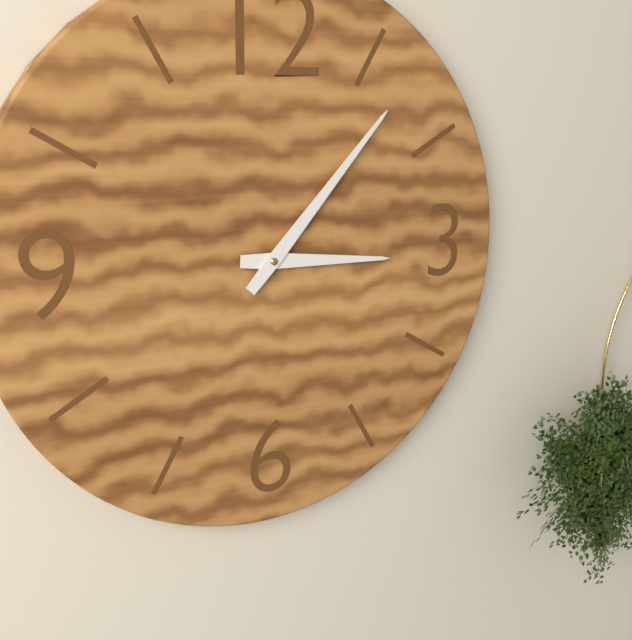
3:07
